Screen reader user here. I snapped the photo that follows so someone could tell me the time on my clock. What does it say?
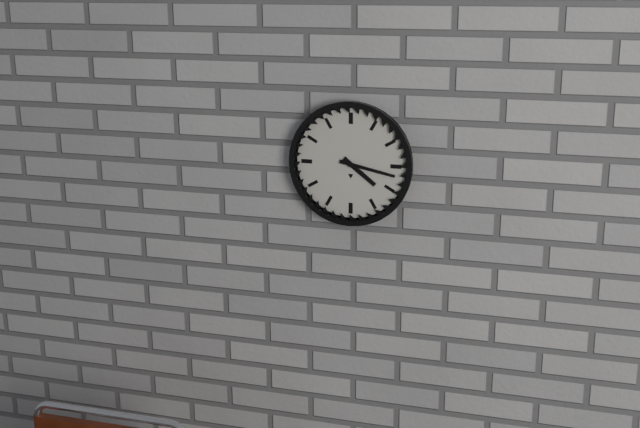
4:17
